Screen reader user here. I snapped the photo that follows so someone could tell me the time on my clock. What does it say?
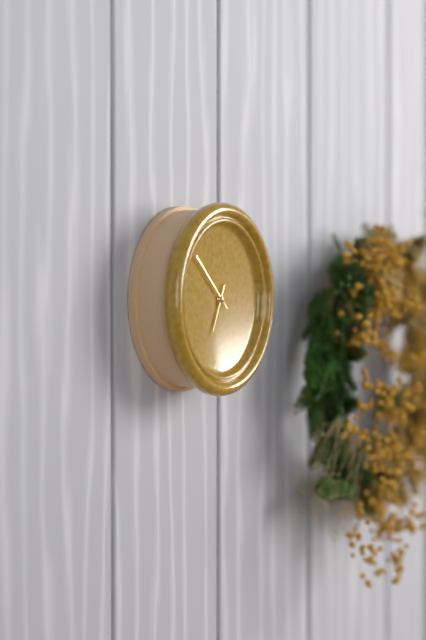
6:52
